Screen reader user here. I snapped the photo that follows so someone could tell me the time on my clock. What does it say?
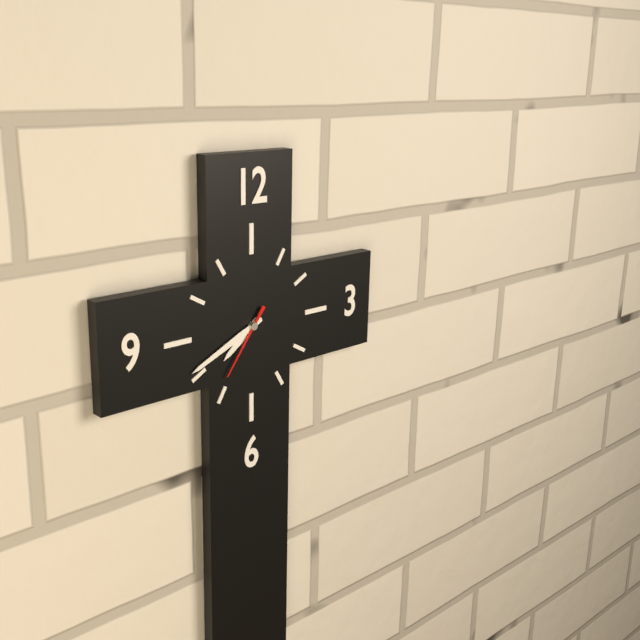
7:41:36
